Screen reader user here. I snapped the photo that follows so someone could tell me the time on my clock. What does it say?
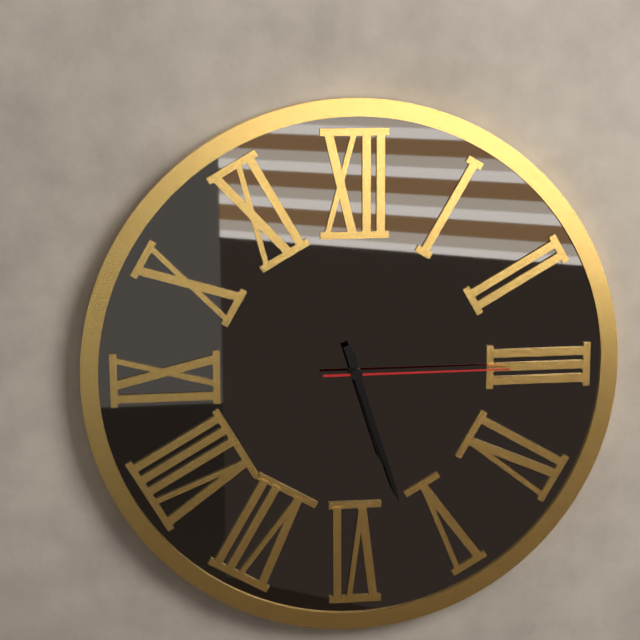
5:27:15
